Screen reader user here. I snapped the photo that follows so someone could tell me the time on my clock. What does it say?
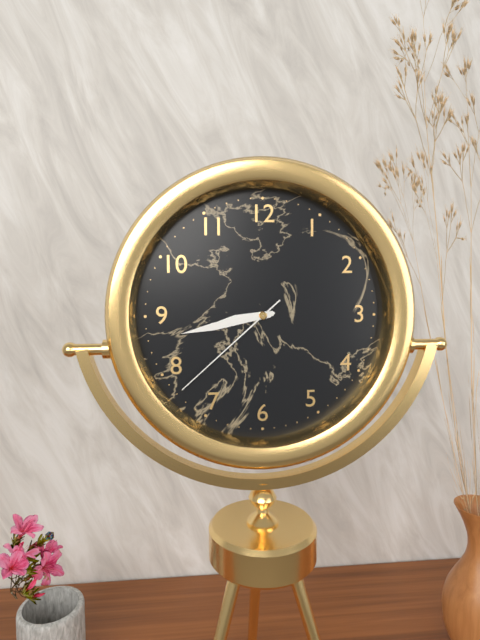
8:43:38
